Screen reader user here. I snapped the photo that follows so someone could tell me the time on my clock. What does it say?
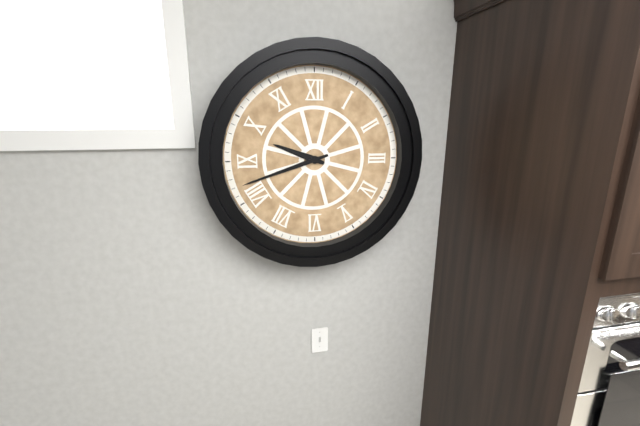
9:42
